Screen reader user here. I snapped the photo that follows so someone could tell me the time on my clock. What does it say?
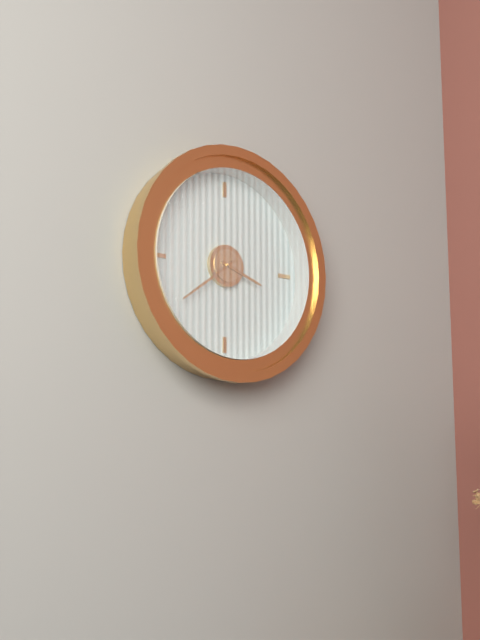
3:39
